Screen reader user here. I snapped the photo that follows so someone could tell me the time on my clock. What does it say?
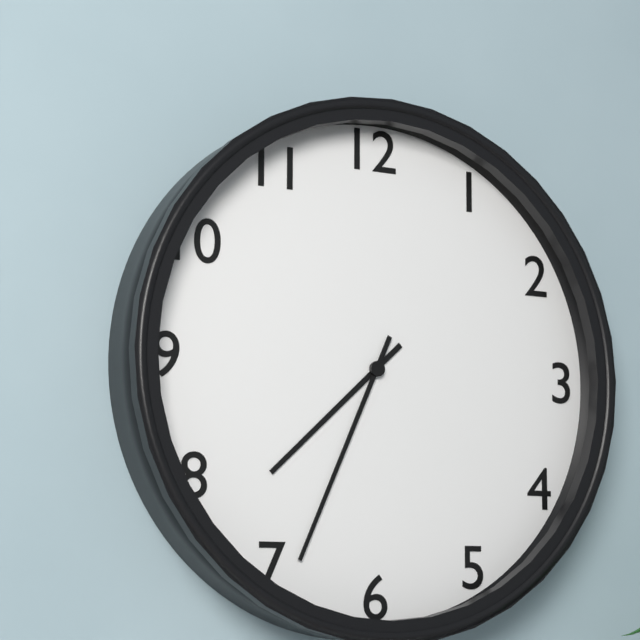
7:34
